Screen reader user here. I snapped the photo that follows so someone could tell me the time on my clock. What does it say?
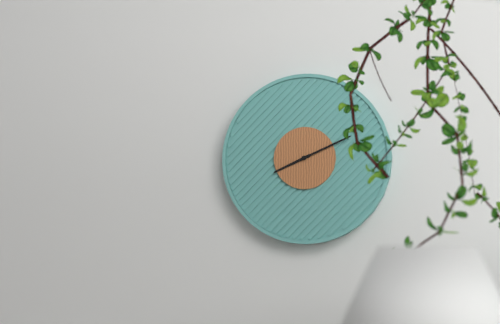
8:11
